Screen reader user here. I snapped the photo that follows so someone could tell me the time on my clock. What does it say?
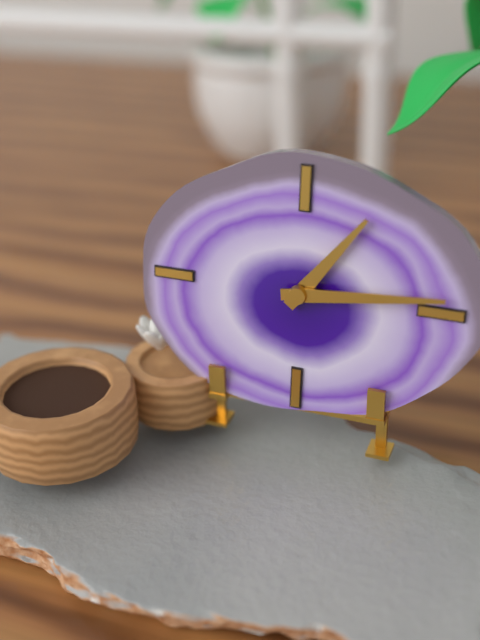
1:14
